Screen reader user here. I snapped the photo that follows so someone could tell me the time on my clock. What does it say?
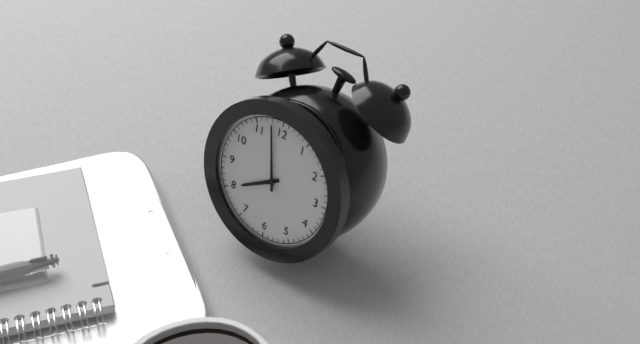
7:58
